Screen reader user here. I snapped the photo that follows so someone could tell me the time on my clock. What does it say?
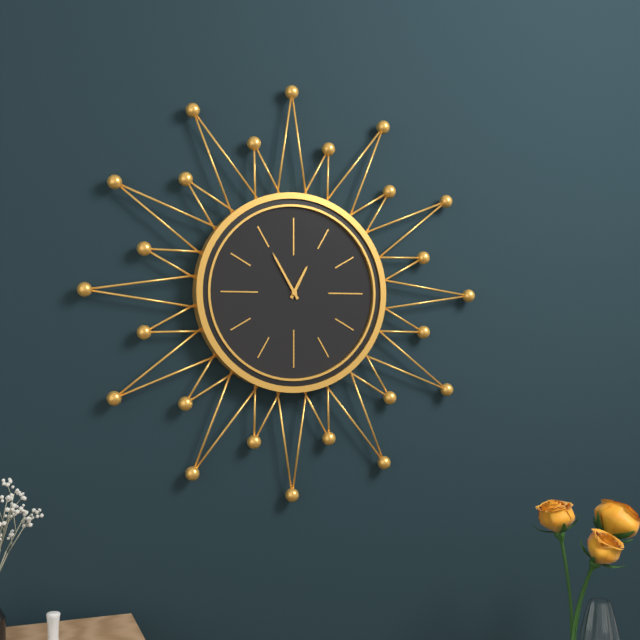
12:55
